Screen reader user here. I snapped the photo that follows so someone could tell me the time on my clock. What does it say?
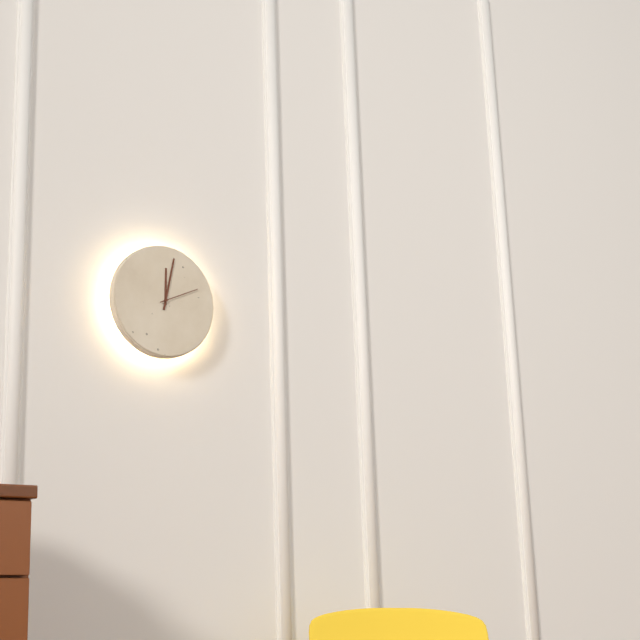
12:02
